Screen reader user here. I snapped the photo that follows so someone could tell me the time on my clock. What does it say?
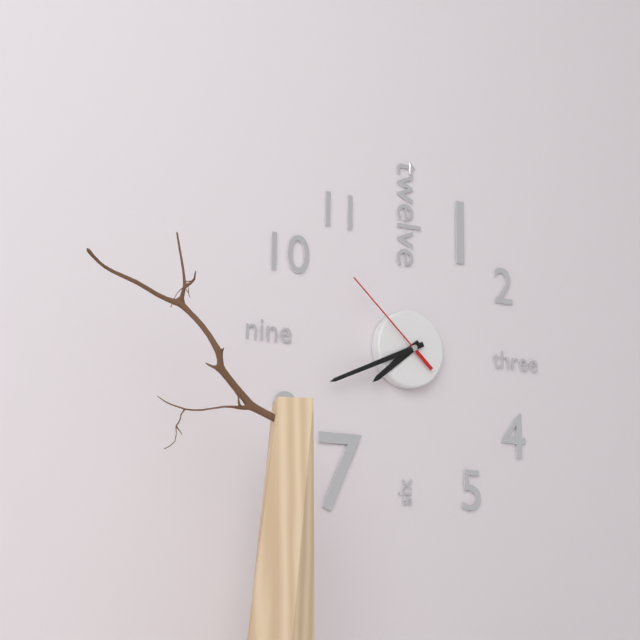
7:41:52
